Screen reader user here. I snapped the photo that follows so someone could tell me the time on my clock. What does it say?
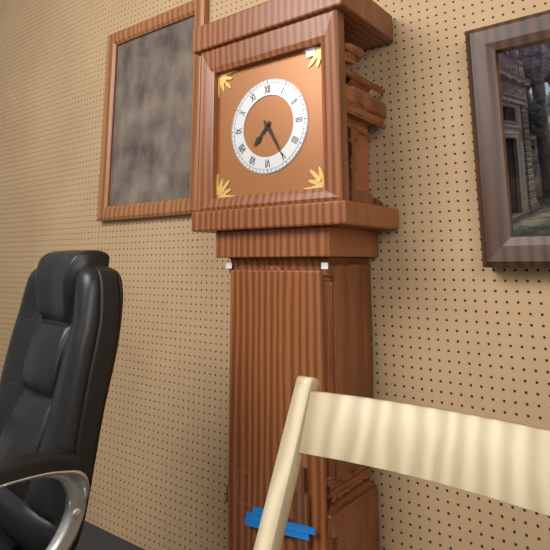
7:25
